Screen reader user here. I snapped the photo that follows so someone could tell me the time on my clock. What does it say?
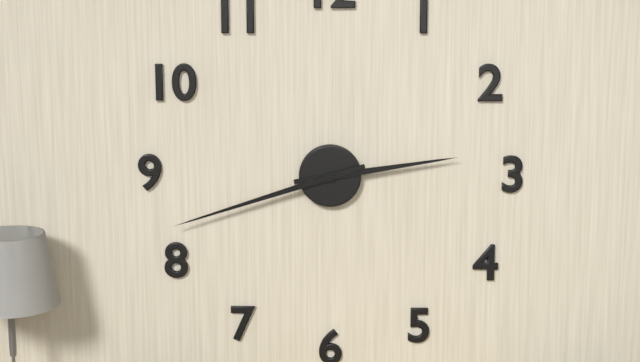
2:42
